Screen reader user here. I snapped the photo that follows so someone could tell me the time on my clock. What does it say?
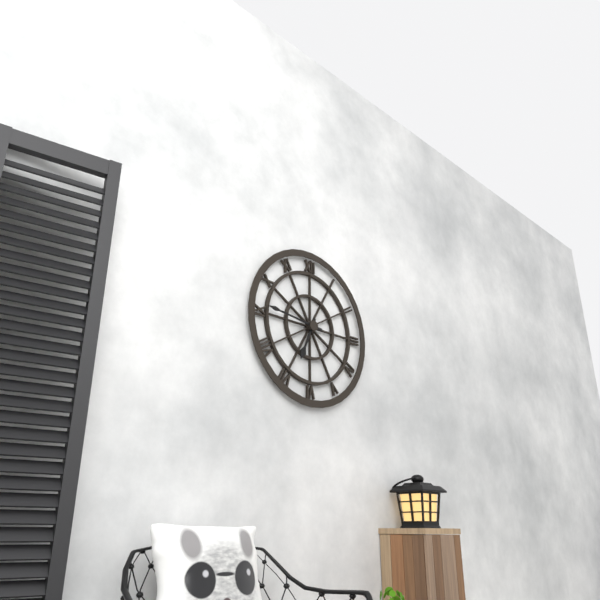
6:46
